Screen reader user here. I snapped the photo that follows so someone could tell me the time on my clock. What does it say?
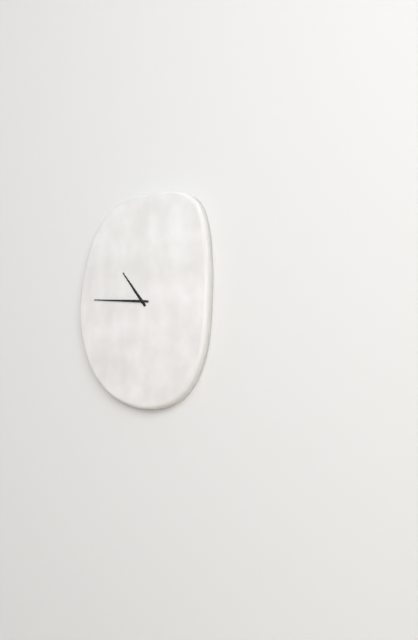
10:46
